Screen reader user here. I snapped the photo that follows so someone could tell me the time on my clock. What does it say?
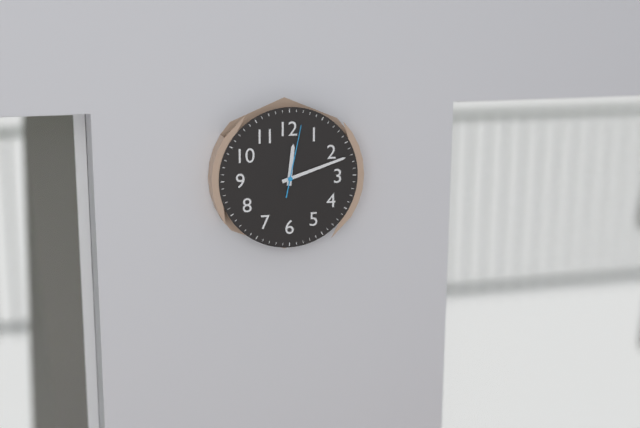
12:12:02
